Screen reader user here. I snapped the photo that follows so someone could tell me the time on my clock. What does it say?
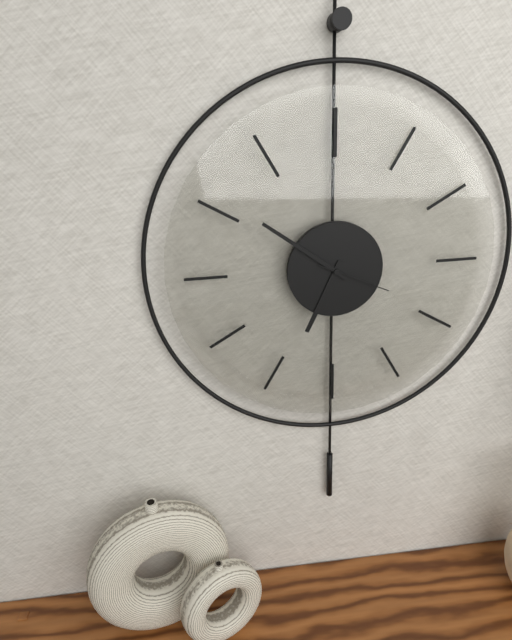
6:51:19
